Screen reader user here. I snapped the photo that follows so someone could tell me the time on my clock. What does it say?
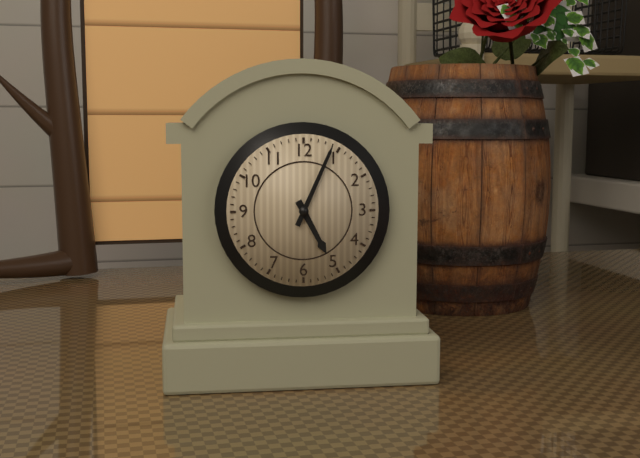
5:04
